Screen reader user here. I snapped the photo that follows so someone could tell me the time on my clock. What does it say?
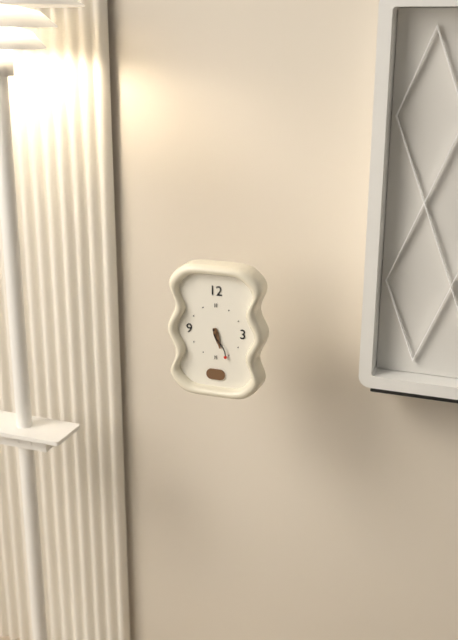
5:26
